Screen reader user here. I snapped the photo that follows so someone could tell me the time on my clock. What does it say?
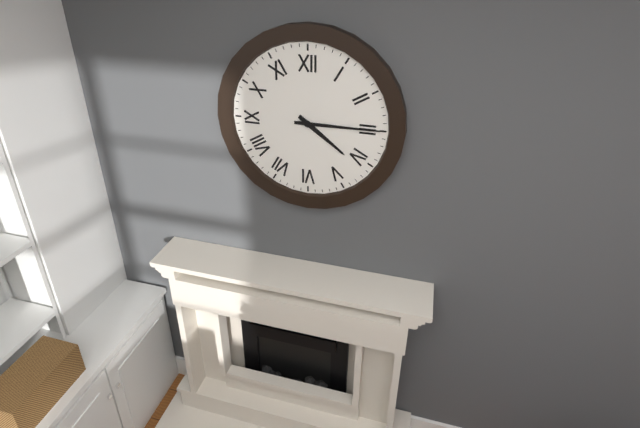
4:15
